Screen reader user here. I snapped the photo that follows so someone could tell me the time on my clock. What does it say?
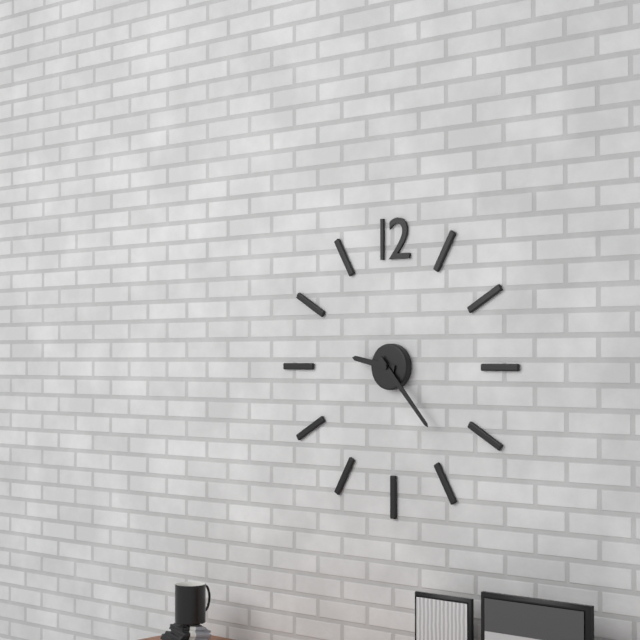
9:23
